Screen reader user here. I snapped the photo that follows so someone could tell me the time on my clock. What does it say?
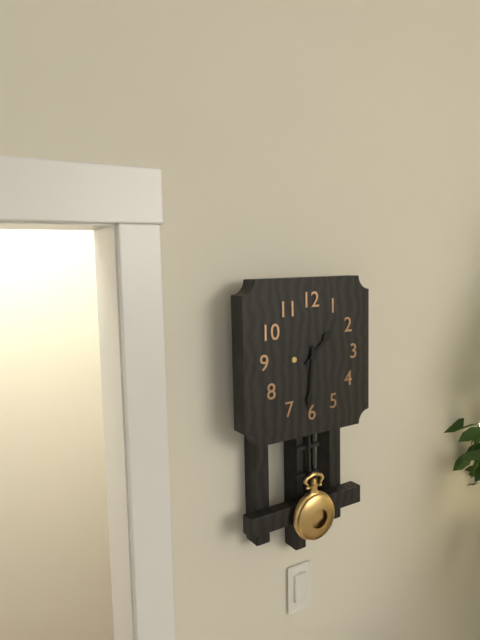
1:31
